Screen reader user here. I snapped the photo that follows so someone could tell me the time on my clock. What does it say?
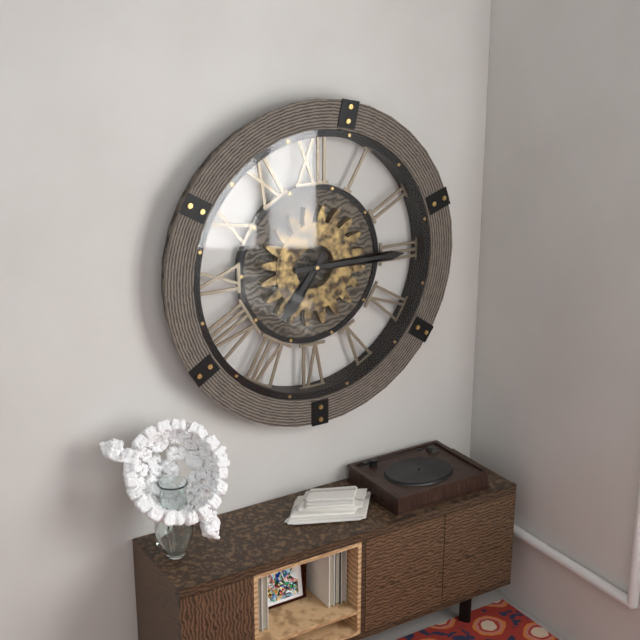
7:15
